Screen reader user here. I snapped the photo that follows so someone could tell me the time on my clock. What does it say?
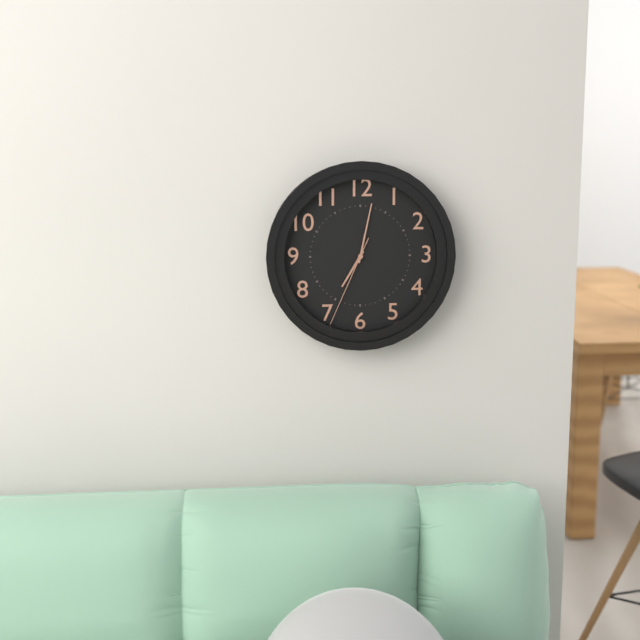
7:02:34
